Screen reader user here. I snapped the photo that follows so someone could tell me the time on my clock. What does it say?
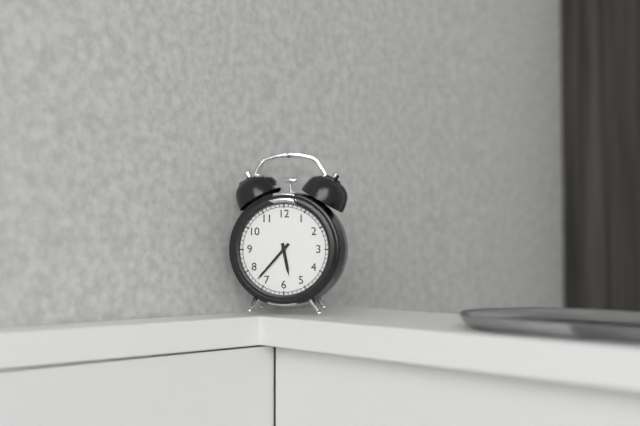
5:37
